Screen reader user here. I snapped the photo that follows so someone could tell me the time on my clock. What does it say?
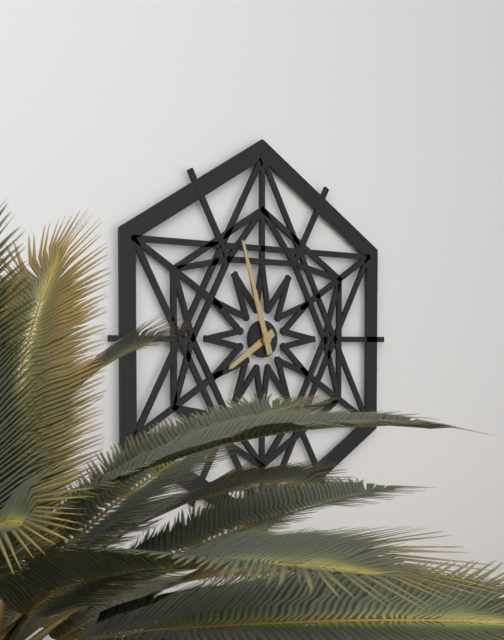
7:57
